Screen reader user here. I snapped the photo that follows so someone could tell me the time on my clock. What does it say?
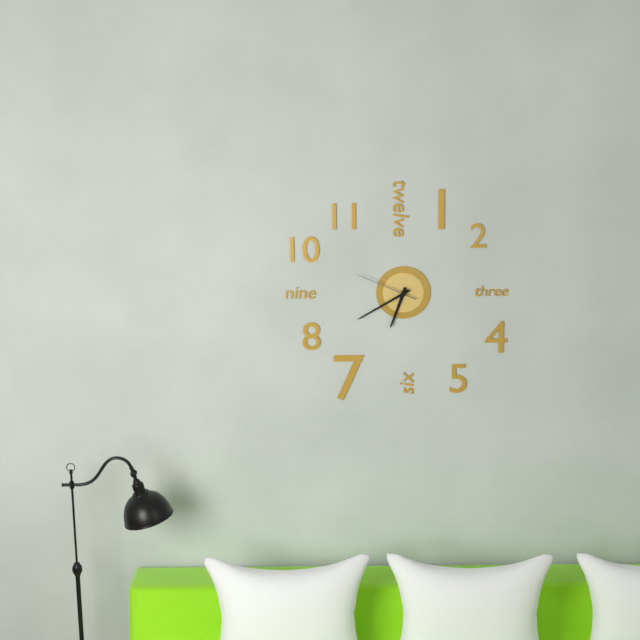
6:40:49
